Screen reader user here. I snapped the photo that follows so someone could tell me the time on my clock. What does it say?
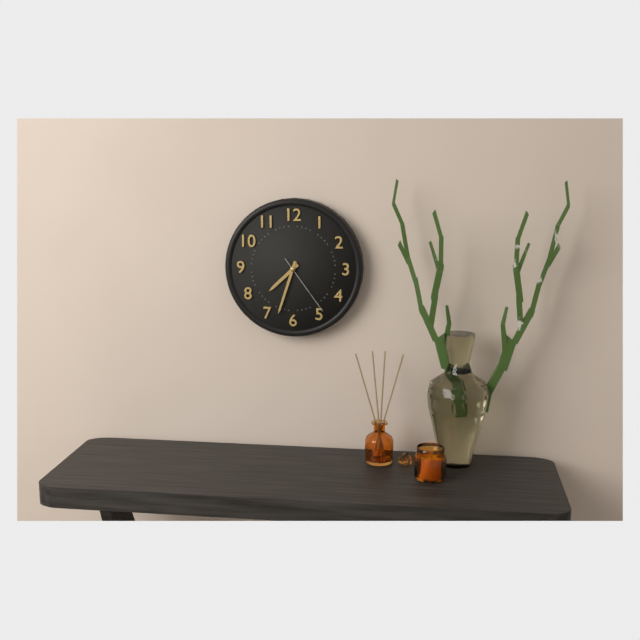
7:33:24
